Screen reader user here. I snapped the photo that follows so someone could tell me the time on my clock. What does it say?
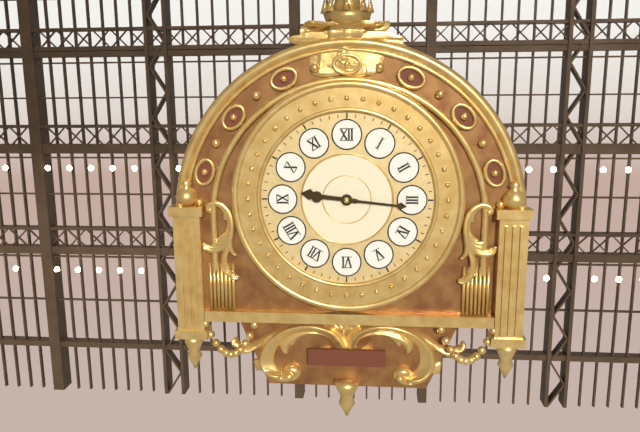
9:16
